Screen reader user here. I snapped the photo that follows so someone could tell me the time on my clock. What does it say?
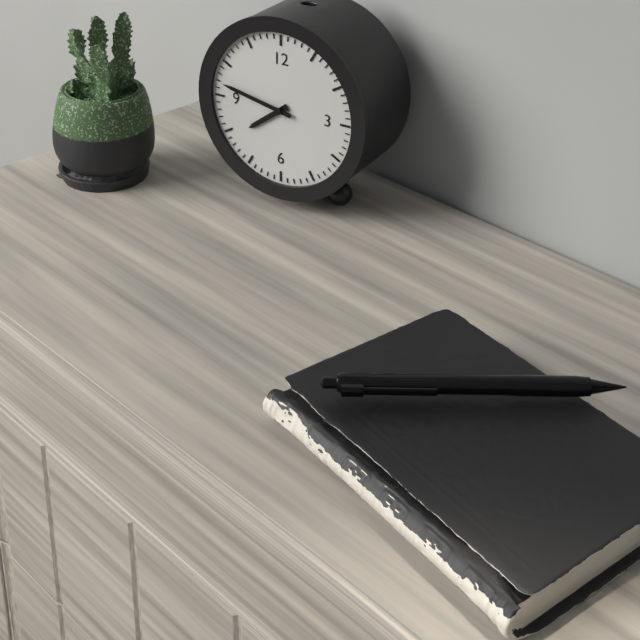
7:47
